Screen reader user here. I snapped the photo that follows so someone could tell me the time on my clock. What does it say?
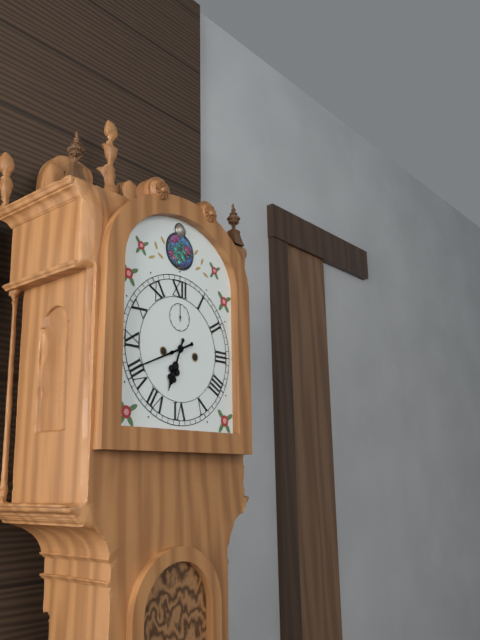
6:41
